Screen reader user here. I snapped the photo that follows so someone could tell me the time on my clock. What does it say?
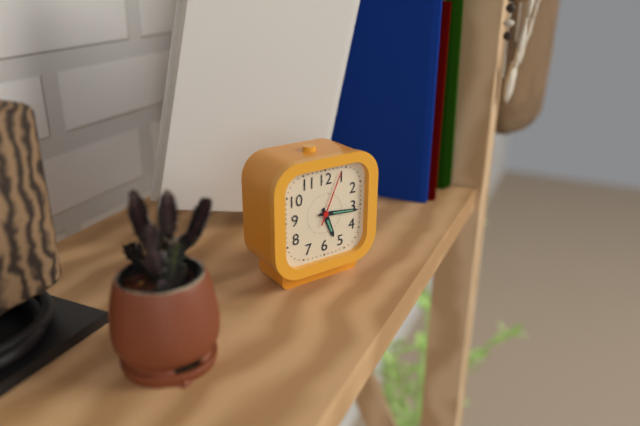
5:16:04
